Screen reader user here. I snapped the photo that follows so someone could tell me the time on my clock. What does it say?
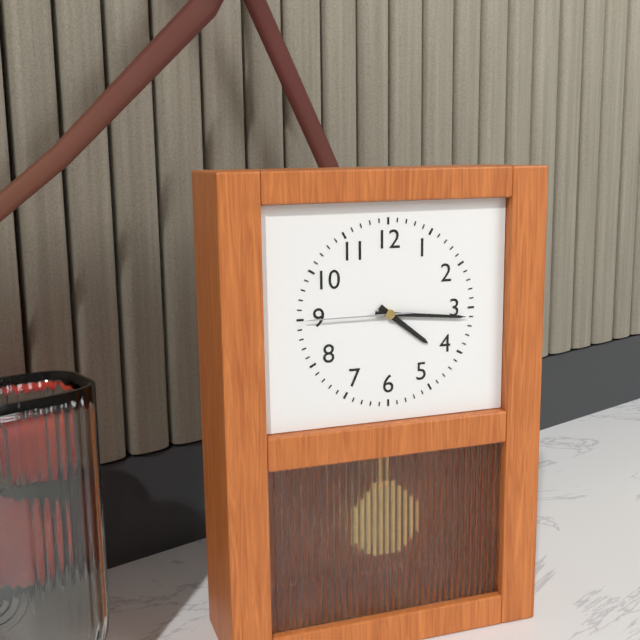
4:16:45
